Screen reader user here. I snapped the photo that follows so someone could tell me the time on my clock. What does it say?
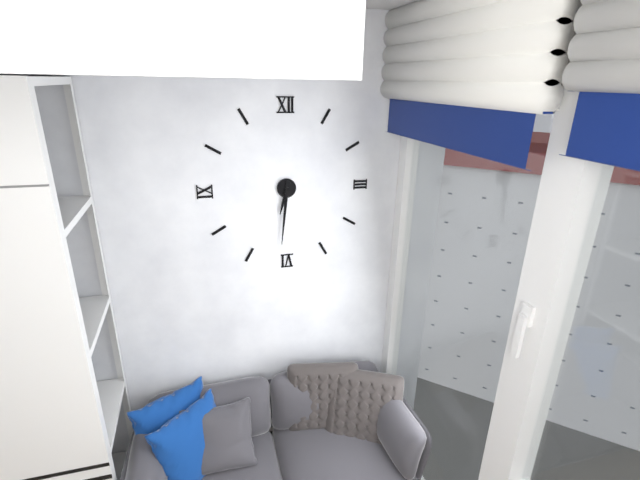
6:31
